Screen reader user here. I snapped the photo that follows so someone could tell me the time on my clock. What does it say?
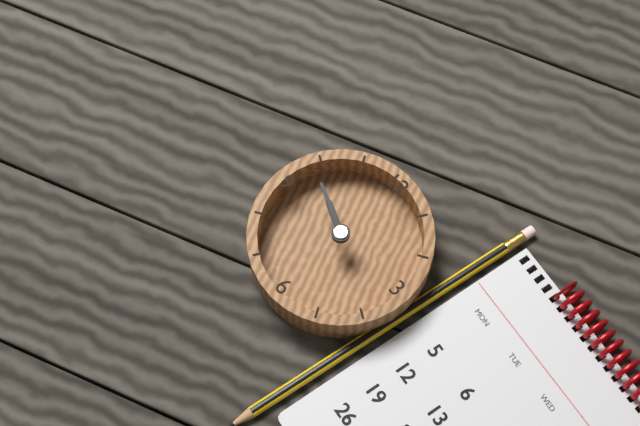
9:49
